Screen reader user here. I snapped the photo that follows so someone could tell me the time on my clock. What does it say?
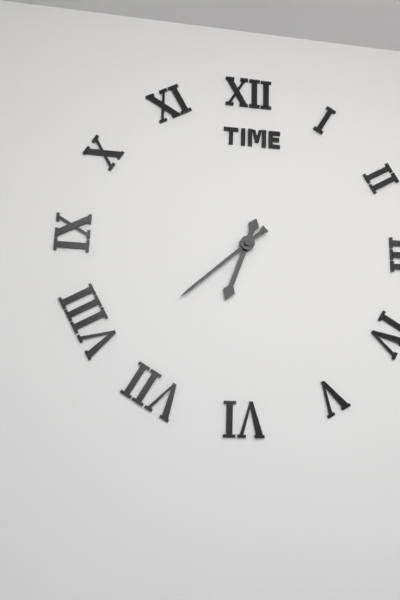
6:38
